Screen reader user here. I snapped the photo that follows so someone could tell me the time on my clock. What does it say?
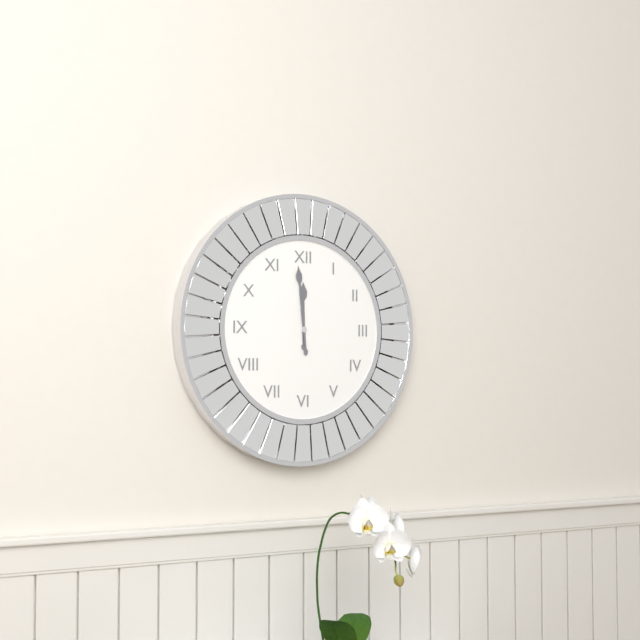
11:59
